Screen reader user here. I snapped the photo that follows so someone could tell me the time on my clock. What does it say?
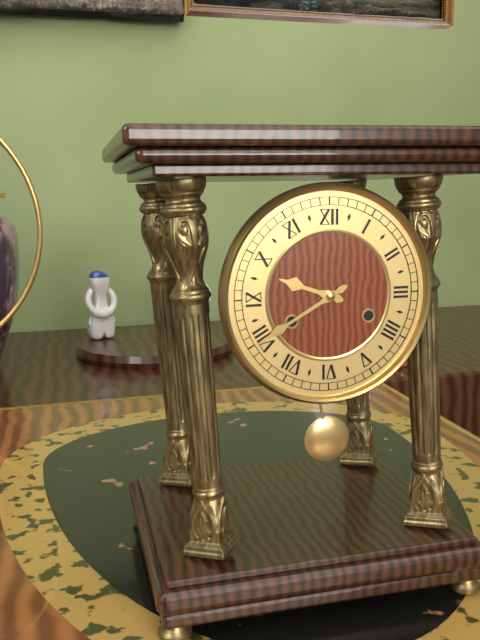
9:40
